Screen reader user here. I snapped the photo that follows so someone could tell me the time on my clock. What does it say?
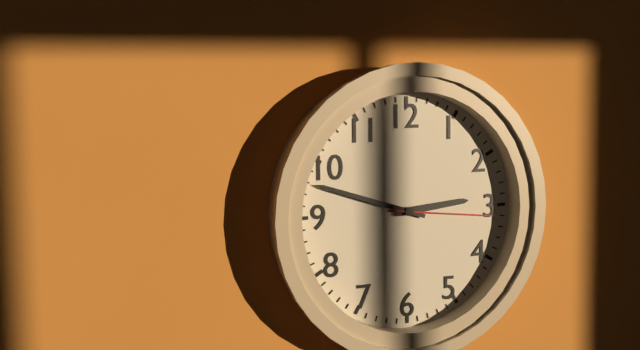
2:48:16
